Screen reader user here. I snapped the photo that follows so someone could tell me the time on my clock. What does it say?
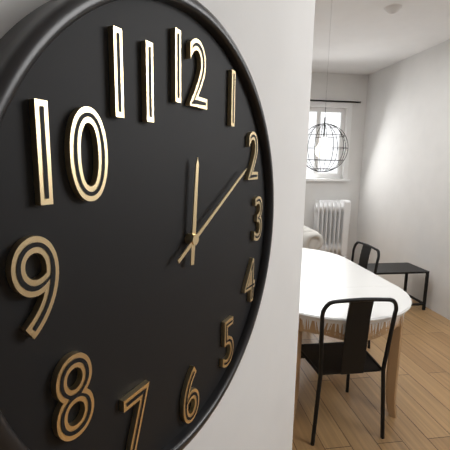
12:10
